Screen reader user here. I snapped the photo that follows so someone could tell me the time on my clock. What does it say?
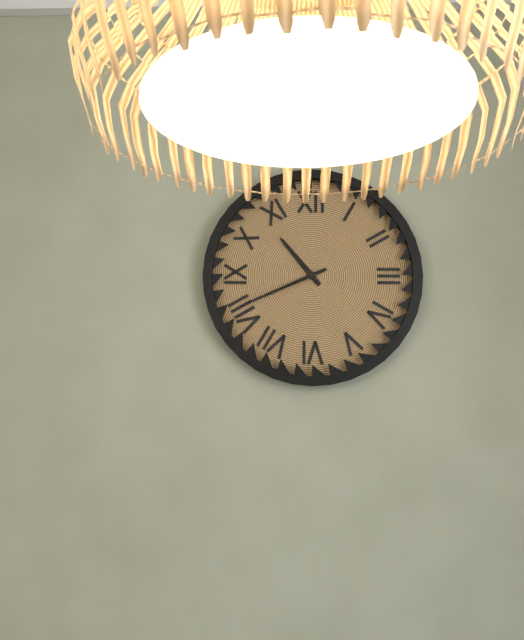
10:41
